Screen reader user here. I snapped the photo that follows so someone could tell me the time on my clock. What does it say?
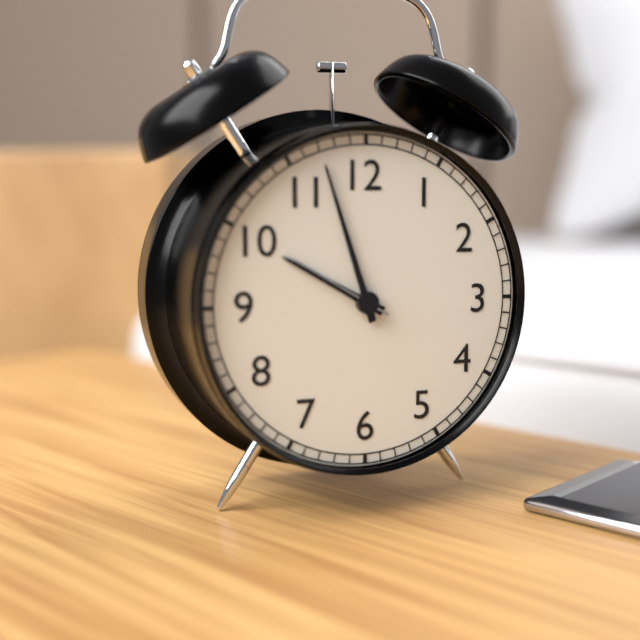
9:57:50
